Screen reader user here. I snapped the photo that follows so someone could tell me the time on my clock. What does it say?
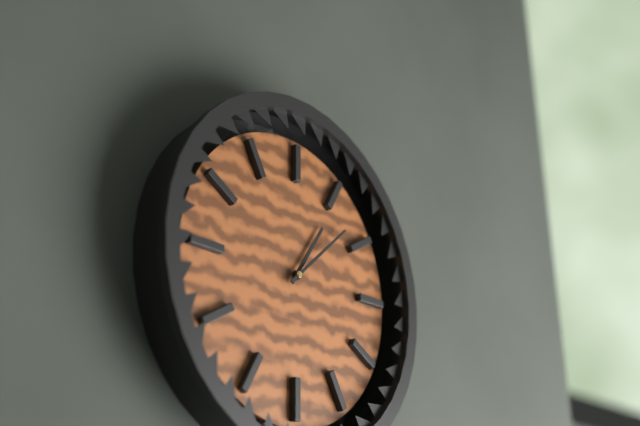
1:08
